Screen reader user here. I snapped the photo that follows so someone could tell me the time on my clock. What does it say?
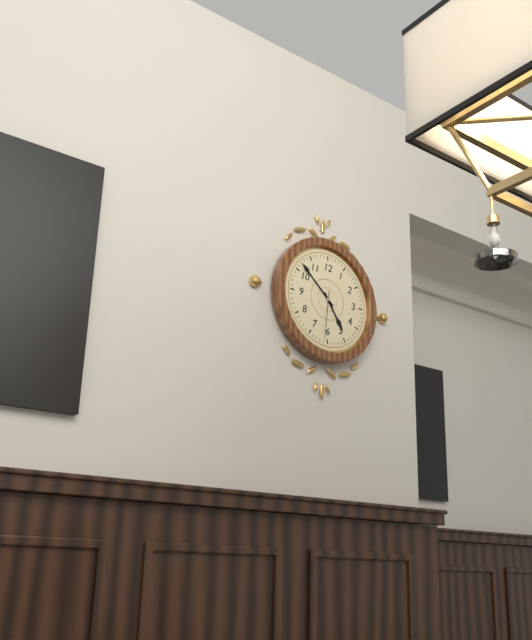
4:52
